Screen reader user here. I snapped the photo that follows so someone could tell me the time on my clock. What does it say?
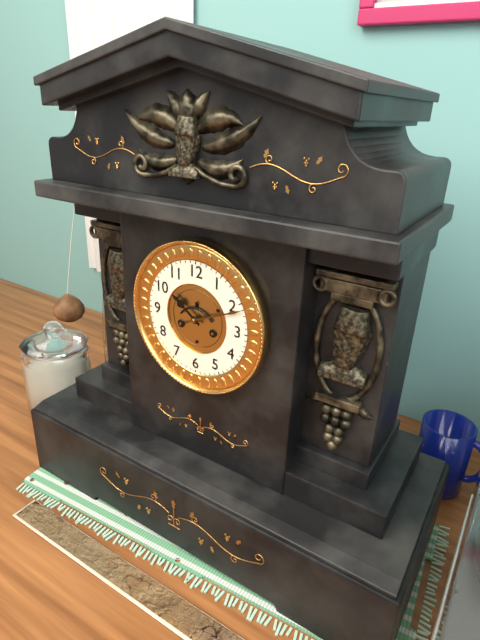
10:11
